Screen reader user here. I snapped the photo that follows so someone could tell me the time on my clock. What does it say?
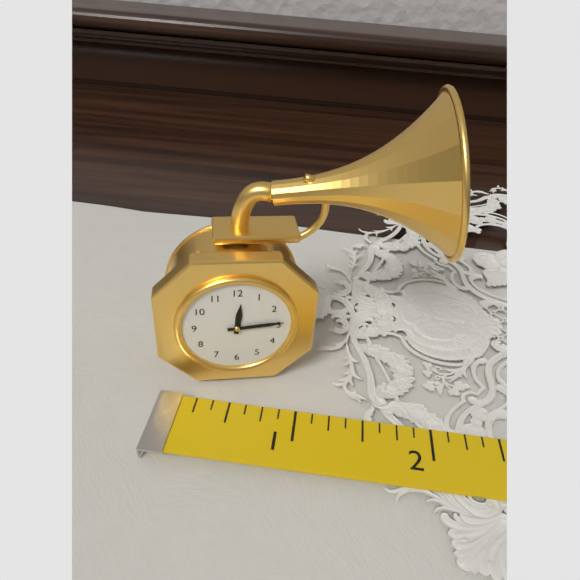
12:14
